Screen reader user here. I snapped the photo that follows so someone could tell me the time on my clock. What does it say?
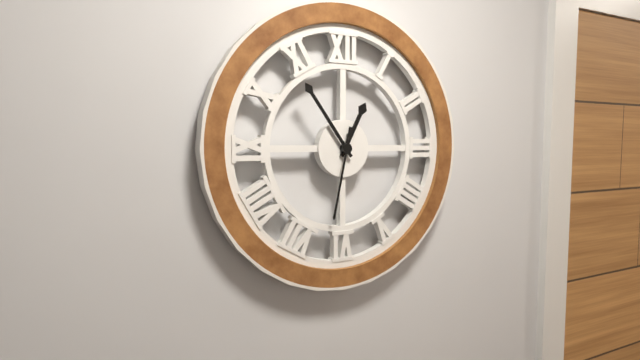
12:54:32
